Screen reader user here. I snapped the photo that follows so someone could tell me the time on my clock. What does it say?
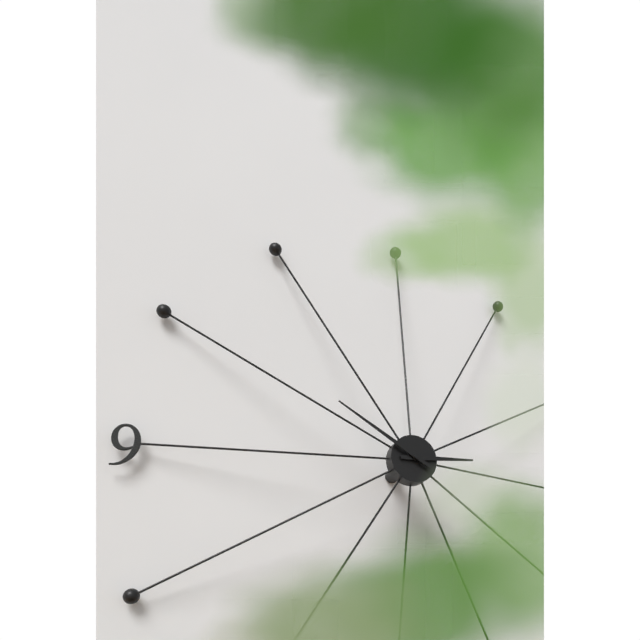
2:50
